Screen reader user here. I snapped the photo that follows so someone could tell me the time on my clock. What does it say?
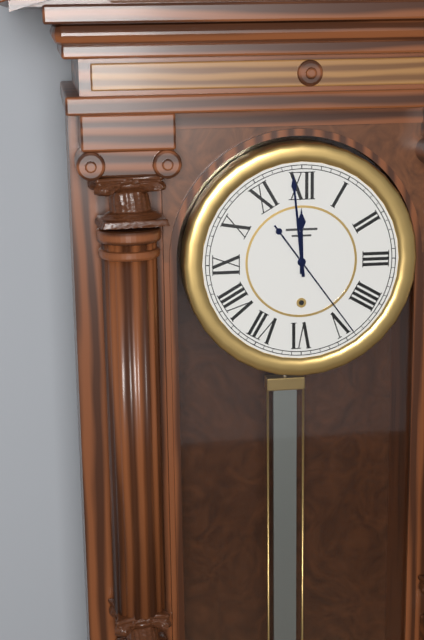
11:59:24
